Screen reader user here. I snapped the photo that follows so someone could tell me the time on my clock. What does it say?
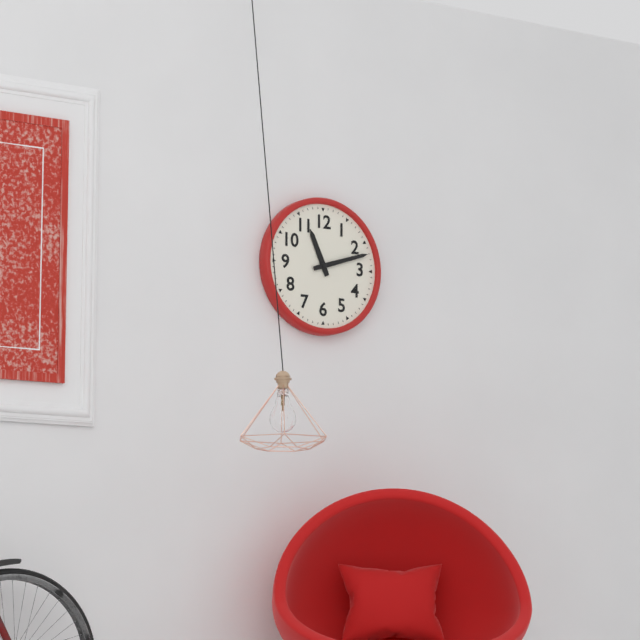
11:12
